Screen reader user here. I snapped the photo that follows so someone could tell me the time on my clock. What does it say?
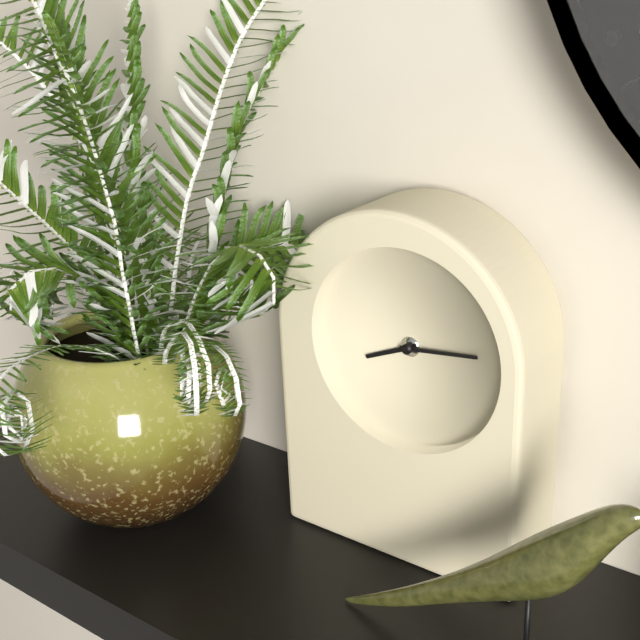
8:14
